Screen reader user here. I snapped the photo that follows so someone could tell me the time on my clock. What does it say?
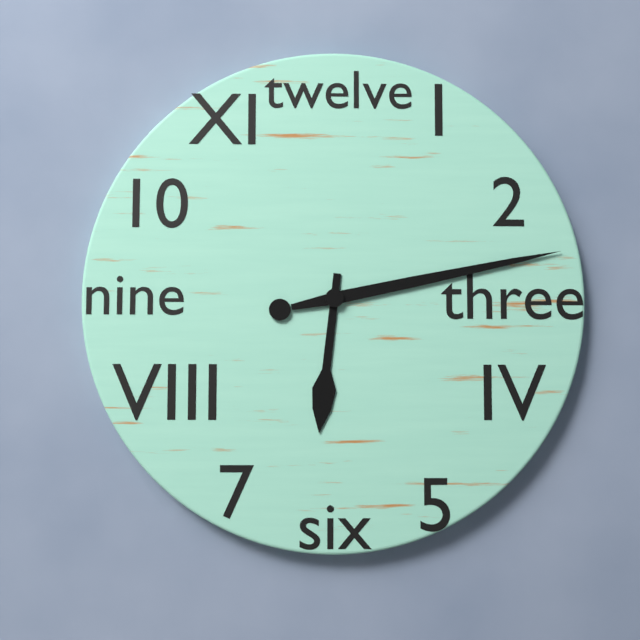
6:13
